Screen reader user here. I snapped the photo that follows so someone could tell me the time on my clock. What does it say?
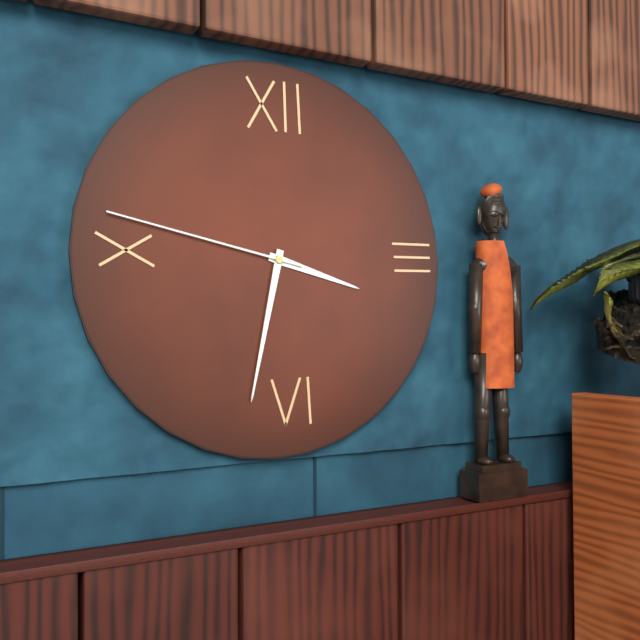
3:32:47
